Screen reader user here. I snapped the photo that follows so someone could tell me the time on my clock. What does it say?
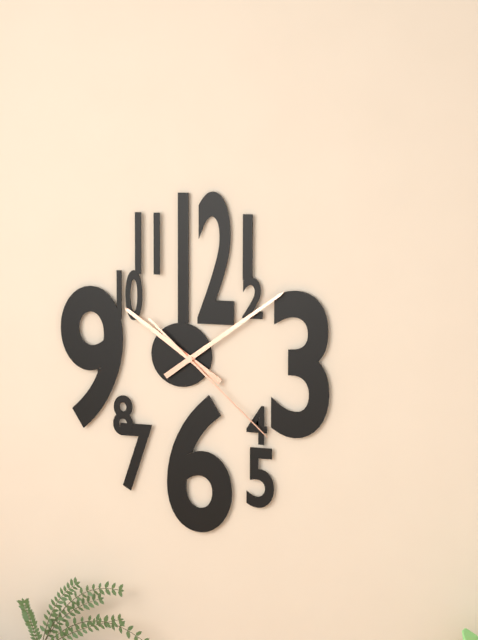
10:09:22
